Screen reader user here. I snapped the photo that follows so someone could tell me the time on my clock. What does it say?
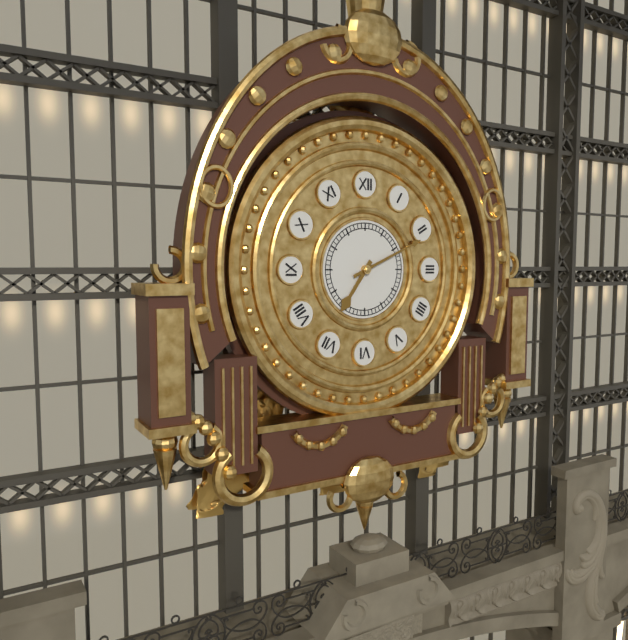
7:11
